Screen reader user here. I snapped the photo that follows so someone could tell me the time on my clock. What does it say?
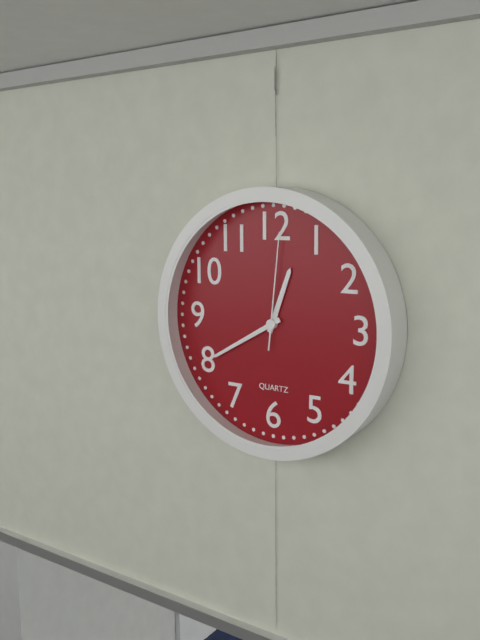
12:40:01
